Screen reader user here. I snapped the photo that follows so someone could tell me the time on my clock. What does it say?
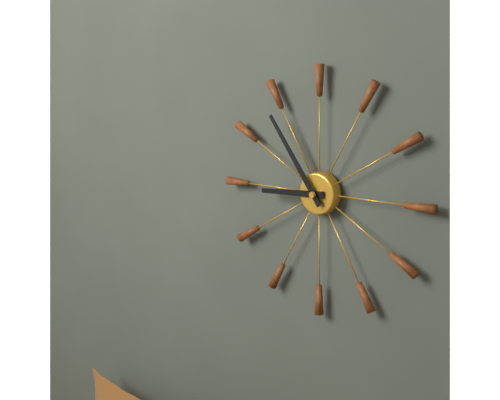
8:54
